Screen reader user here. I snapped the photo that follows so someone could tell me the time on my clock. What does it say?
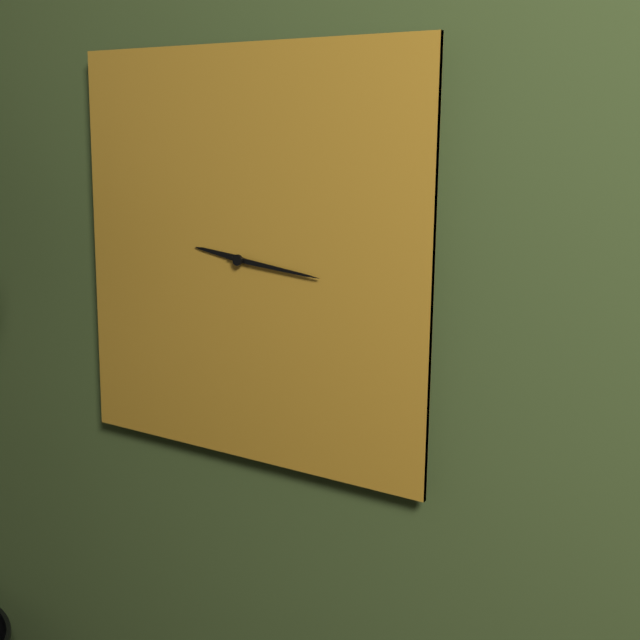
9:16
